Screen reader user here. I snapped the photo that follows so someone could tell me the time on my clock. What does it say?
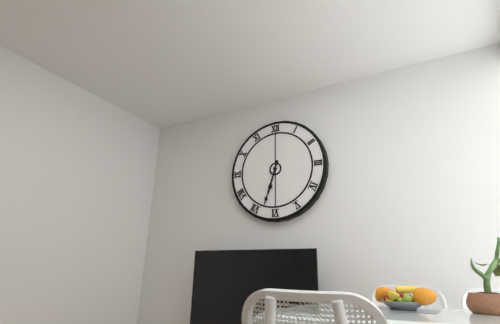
6:33
